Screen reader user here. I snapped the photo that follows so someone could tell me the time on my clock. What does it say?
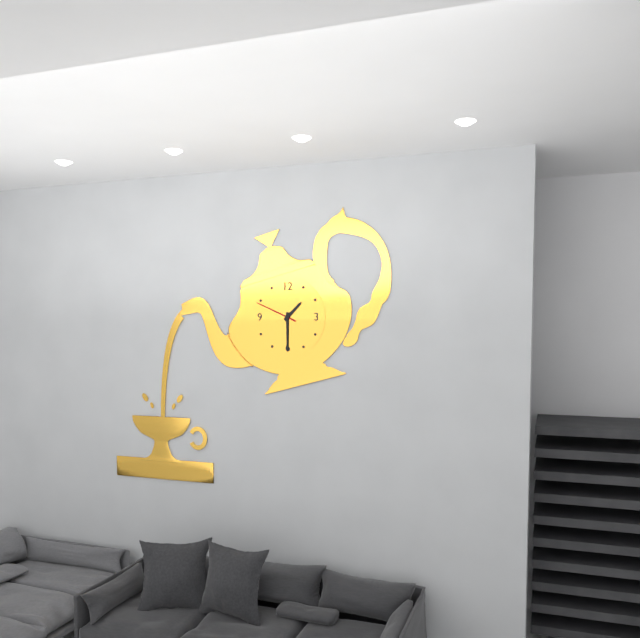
1:30
